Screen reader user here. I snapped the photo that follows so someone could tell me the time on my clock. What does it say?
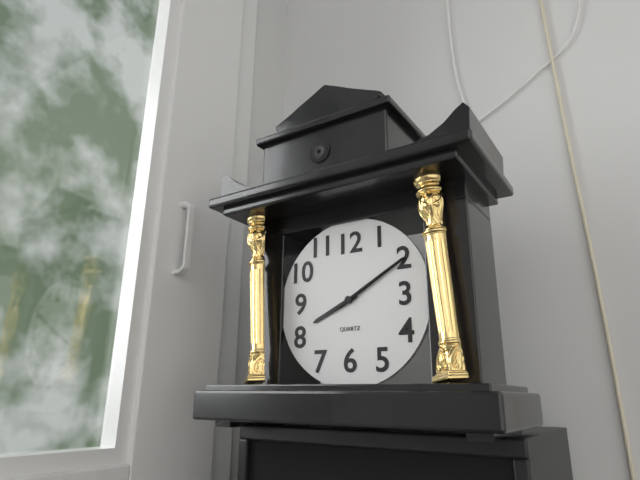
8:10:10
